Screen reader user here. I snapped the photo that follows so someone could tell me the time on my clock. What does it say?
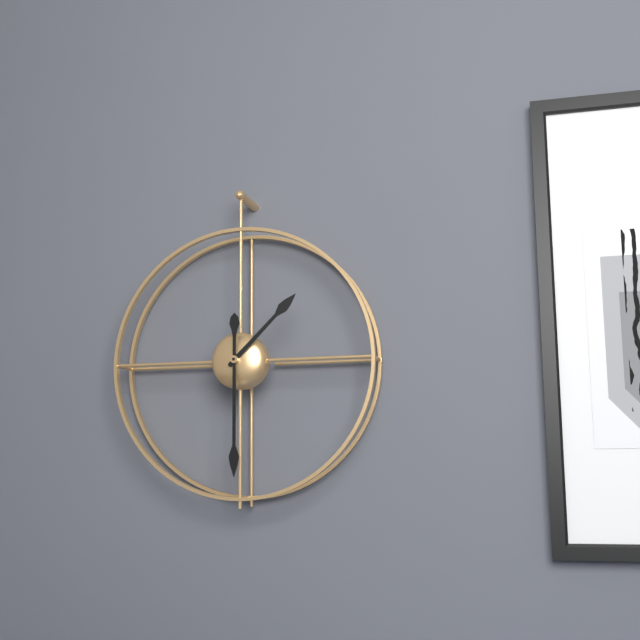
1:30
